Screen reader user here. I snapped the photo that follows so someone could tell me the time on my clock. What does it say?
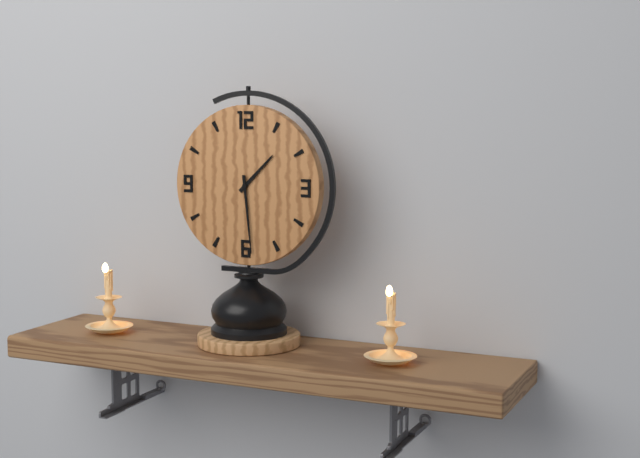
1:29
